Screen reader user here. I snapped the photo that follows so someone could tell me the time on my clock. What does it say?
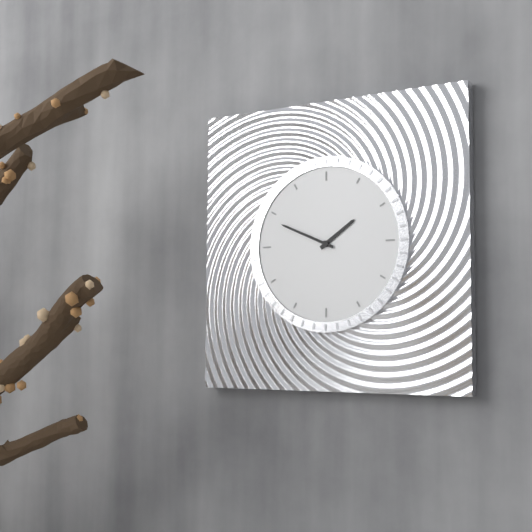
1:49
